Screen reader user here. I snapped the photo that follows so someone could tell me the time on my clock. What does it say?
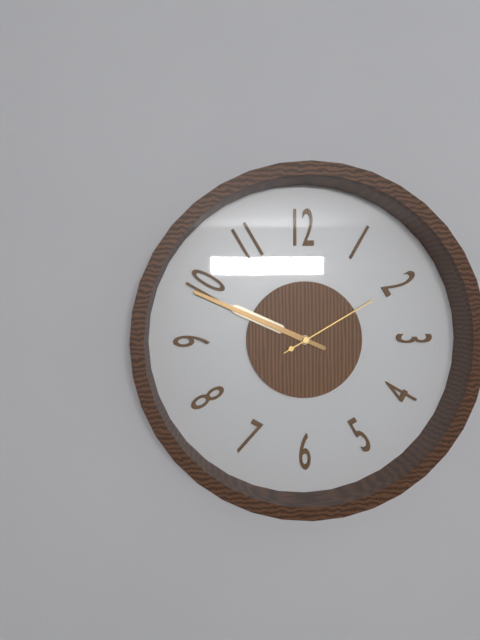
9:49:10
